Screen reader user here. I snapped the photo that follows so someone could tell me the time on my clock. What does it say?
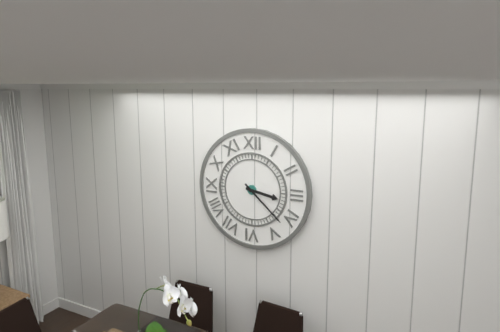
3:22
